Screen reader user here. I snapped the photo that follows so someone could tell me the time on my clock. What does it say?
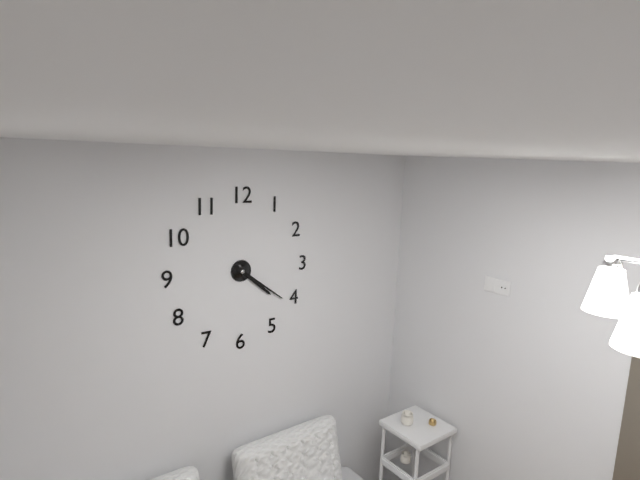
4:21
